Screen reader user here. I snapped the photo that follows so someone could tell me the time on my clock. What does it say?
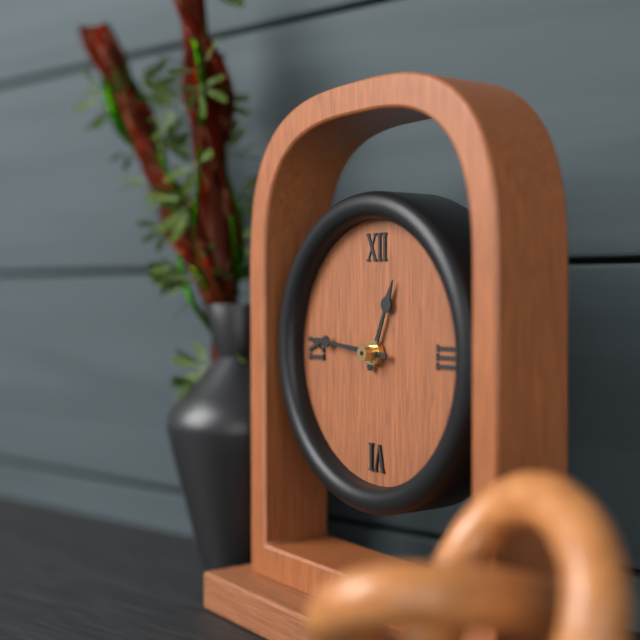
12:46
